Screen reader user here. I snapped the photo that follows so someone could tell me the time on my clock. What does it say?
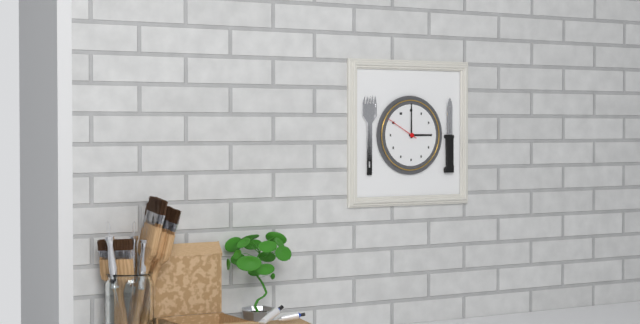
3:00
